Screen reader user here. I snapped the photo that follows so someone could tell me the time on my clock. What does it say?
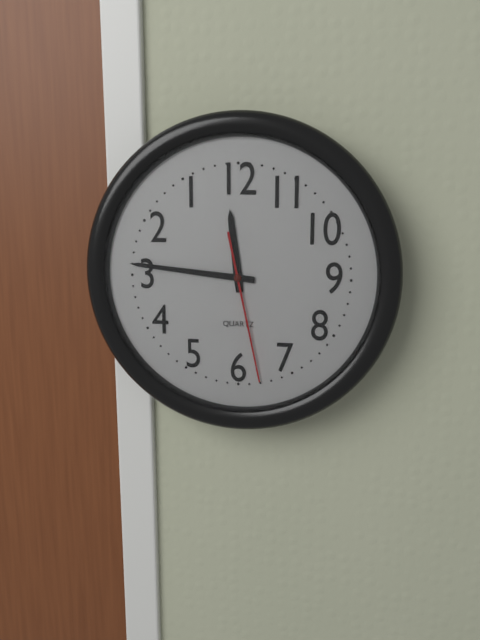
11:46:28
